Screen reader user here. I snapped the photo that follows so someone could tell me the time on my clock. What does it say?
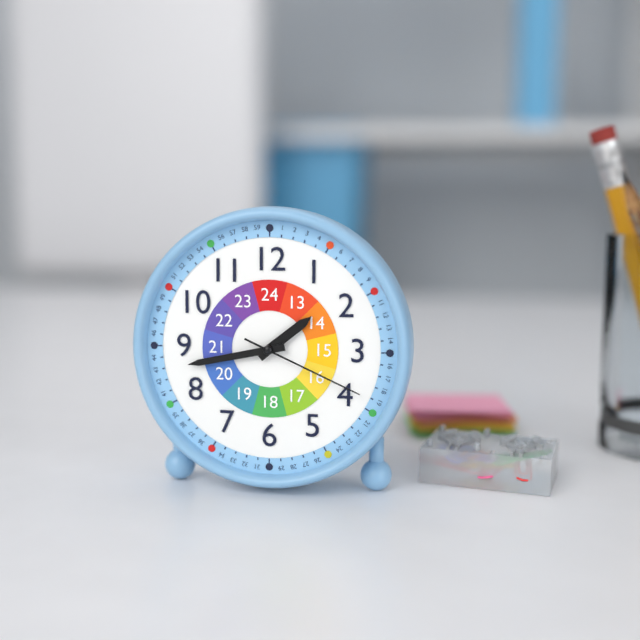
1:43:19
